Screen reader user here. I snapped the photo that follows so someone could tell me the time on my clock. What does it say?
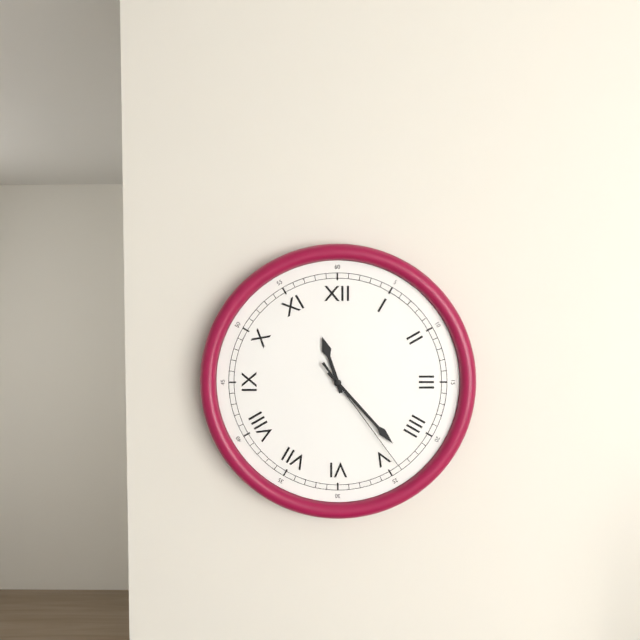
11:23:24
